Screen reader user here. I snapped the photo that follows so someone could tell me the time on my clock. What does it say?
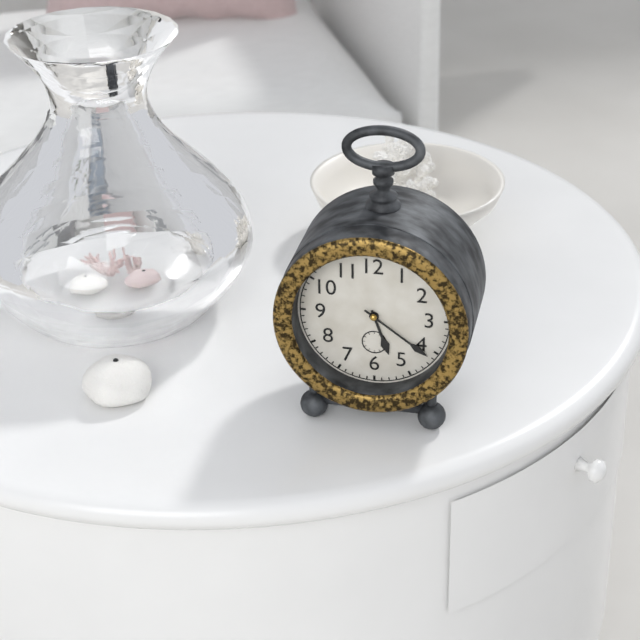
5:21
